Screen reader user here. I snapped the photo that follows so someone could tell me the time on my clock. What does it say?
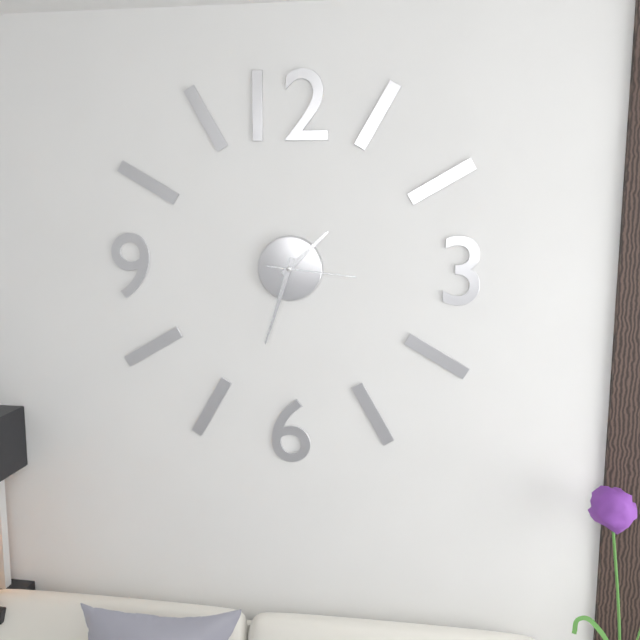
1:33:16
